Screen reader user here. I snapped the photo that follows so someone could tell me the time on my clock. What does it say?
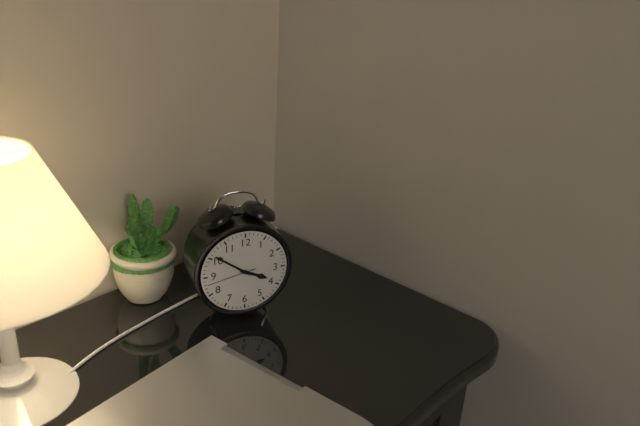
3:51:43
